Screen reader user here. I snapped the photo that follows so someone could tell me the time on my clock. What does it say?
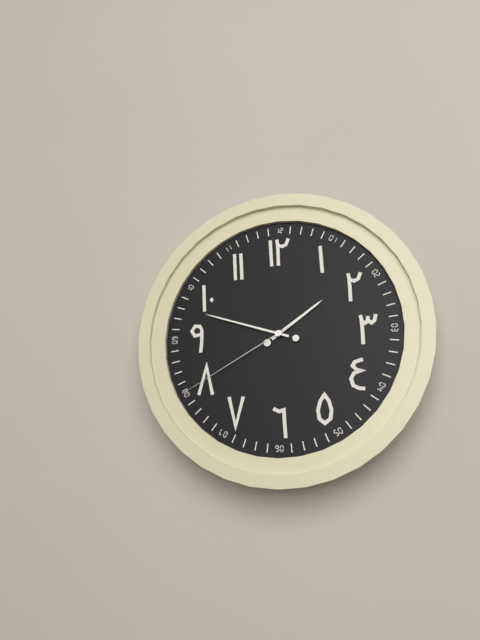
1:48:40
